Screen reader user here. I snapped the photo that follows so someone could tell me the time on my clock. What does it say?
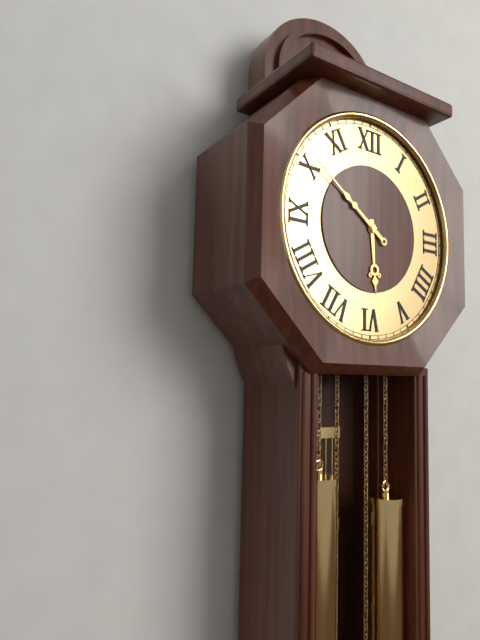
5:51
